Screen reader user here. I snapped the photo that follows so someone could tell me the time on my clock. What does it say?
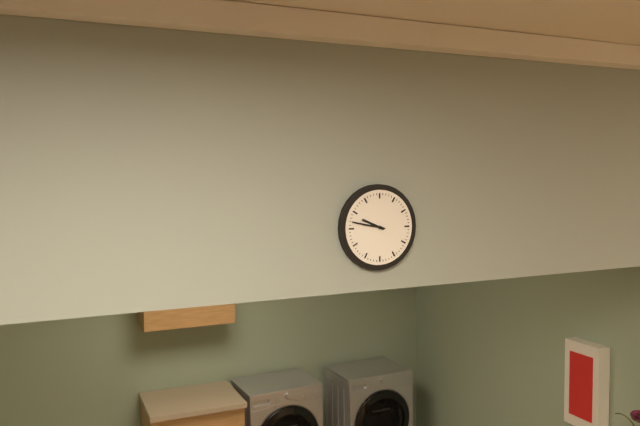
9:47
